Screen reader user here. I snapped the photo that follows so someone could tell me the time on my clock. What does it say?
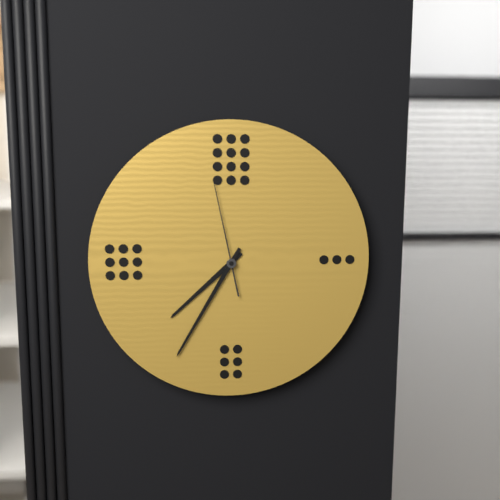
7:35:58
